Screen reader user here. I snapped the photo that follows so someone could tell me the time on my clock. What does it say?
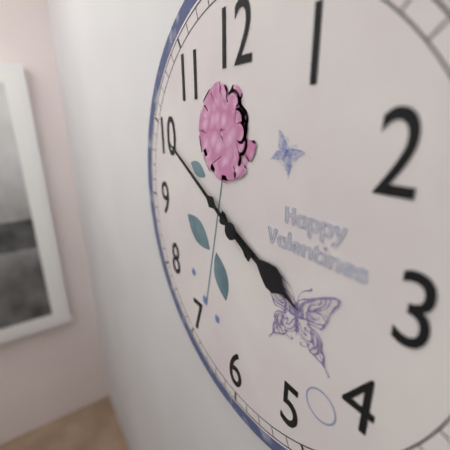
3:50
